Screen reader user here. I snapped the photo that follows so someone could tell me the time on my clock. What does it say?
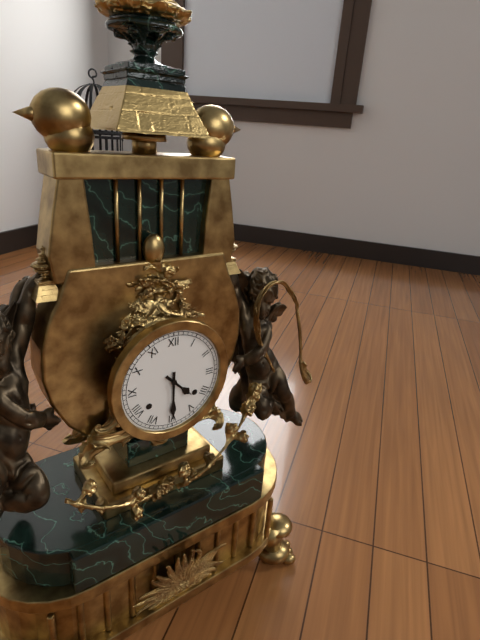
4:30
